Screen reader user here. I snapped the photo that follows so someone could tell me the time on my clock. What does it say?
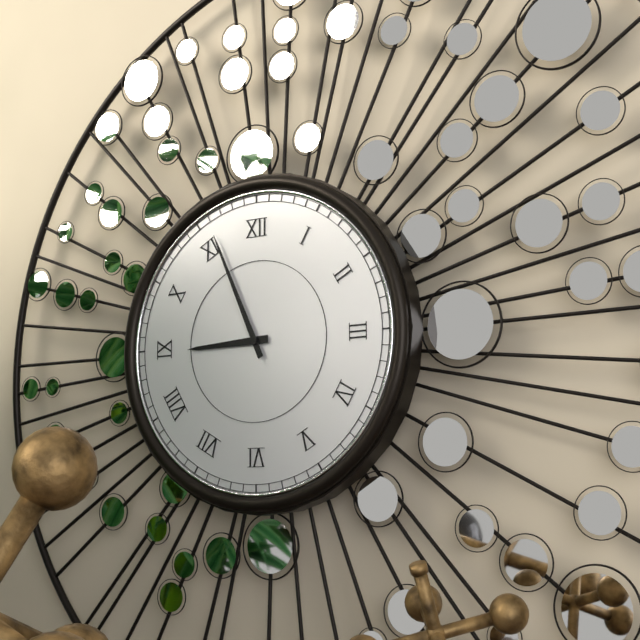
8:56
